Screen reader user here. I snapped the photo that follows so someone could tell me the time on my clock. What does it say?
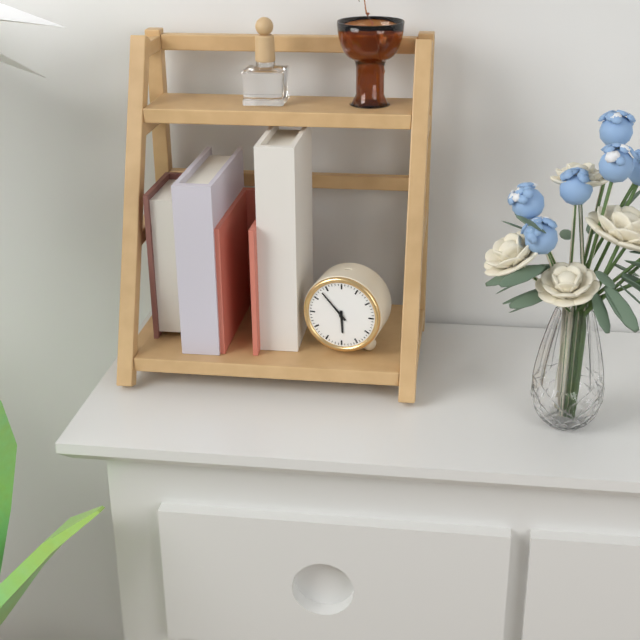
5:53
